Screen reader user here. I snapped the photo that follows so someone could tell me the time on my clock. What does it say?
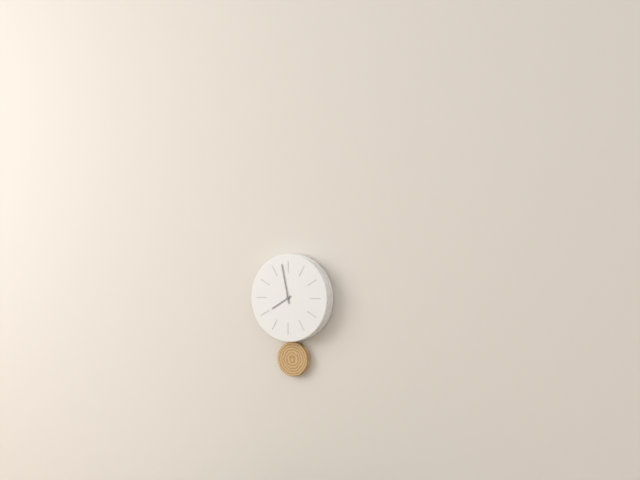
7:58
